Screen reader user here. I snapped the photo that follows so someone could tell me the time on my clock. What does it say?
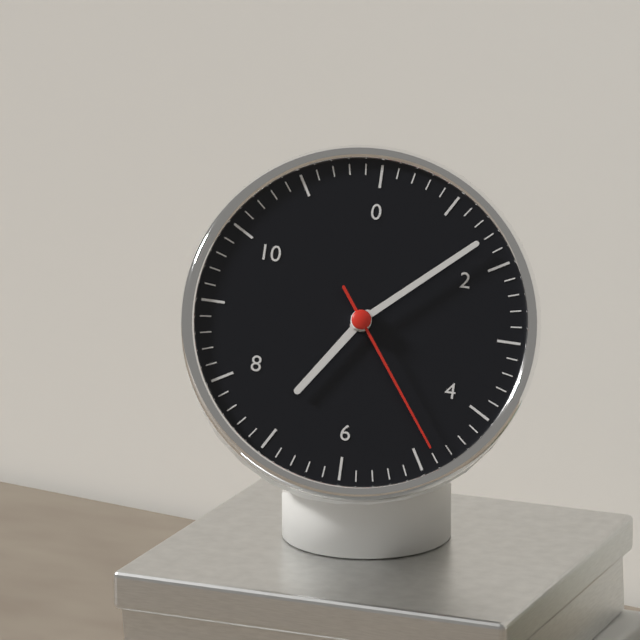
7:08:24
